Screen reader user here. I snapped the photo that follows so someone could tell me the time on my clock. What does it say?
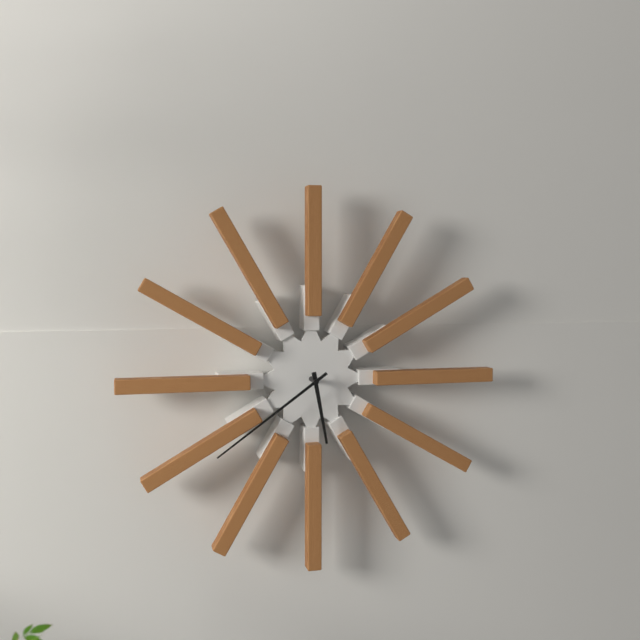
5:39
